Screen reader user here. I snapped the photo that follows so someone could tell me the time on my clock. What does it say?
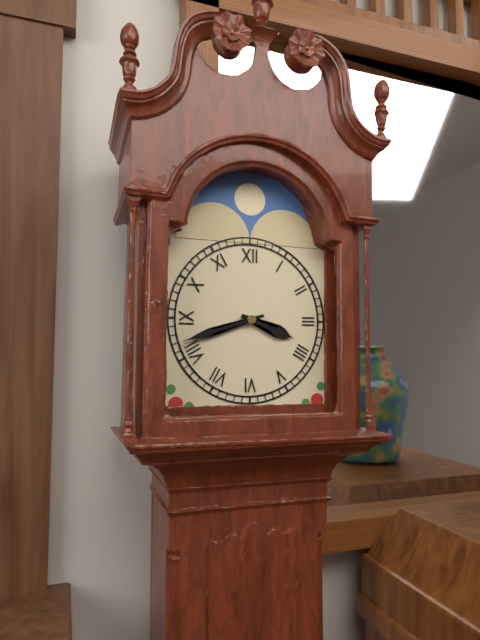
3:42
